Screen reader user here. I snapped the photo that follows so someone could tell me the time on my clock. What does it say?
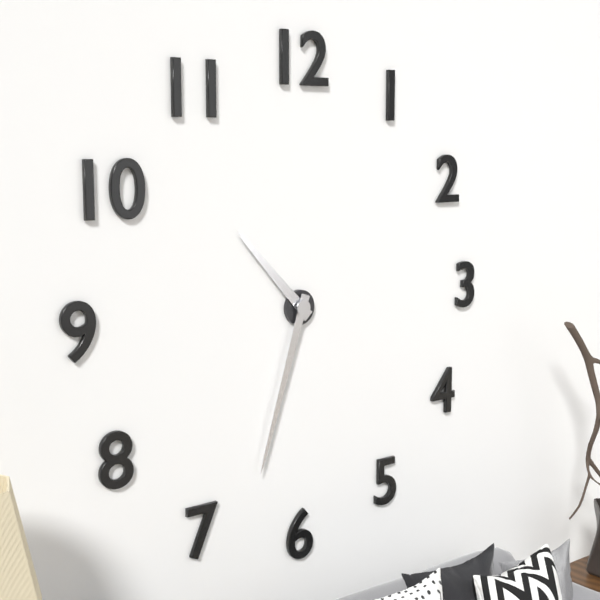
10:33
